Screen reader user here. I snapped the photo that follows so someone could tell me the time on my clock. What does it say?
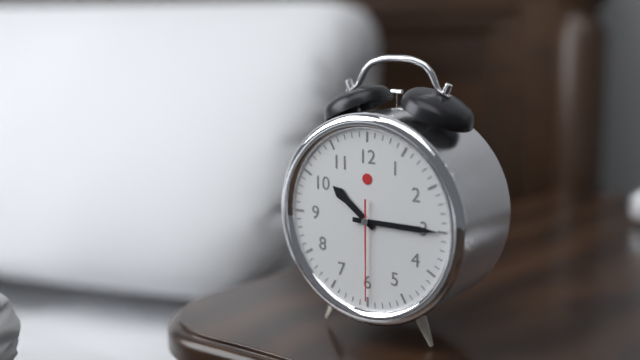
10:15:30
